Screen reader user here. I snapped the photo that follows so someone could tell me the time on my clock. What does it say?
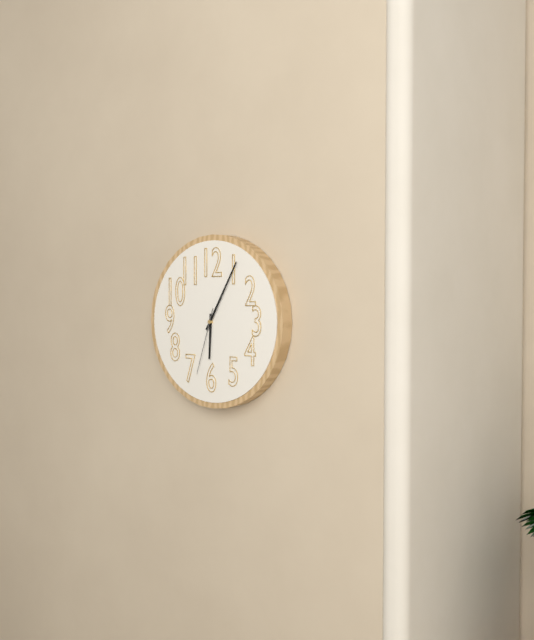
6:05:33
